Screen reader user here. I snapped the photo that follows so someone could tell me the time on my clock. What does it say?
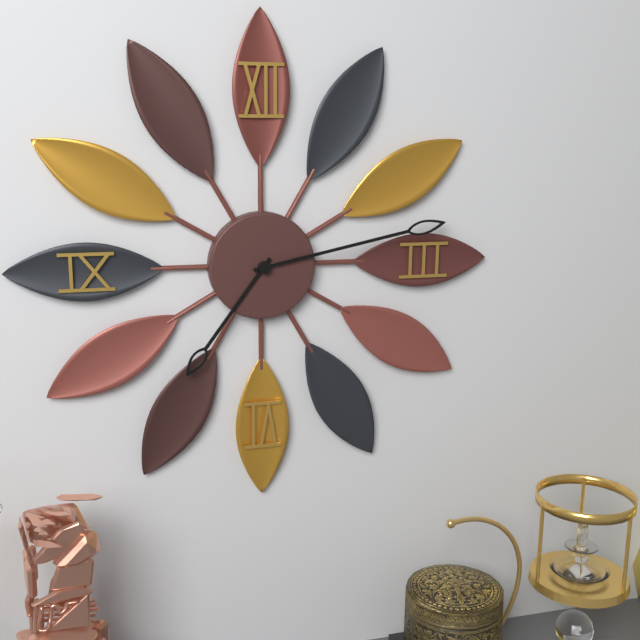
7:13
